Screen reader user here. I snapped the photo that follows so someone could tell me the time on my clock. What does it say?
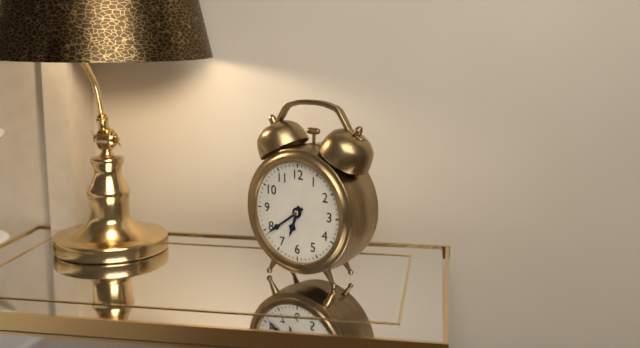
6:39
